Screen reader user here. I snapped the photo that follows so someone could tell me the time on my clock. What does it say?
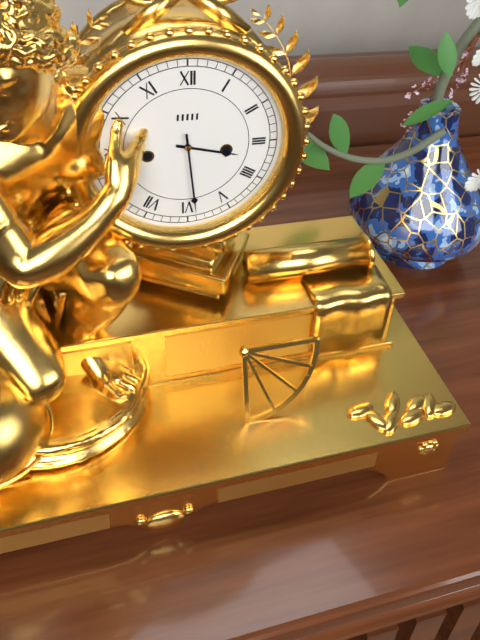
3:29
